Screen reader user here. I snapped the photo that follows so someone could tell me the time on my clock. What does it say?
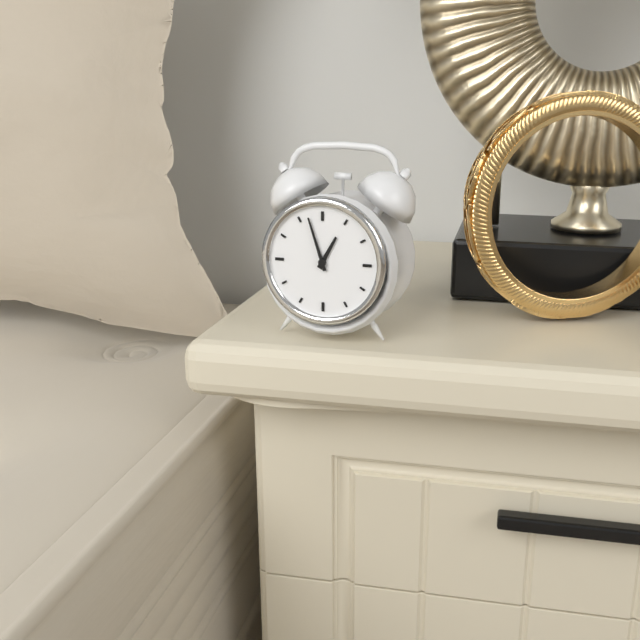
12:57
